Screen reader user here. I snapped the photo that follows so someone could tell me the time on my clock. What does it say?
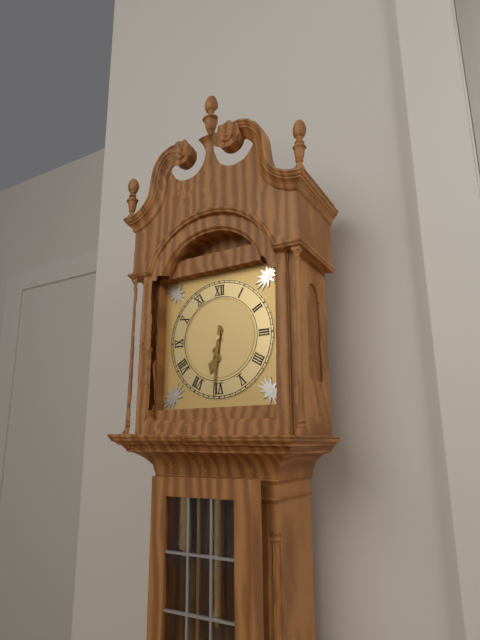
6:31
